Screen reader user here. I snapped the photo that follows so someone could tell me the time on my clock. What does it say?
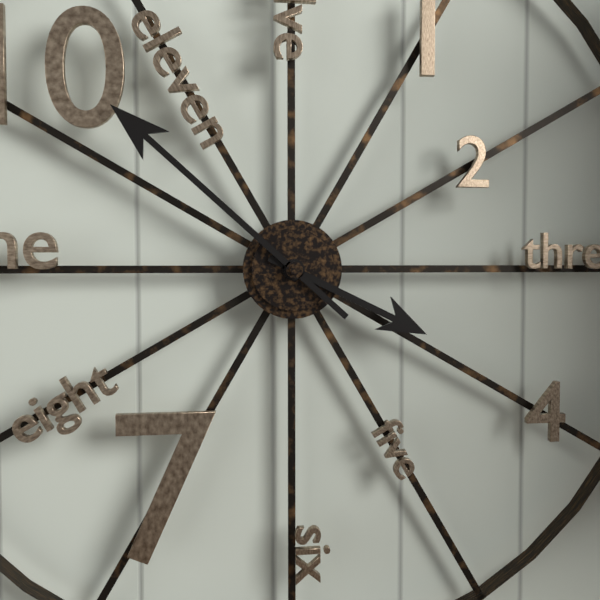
3:52
